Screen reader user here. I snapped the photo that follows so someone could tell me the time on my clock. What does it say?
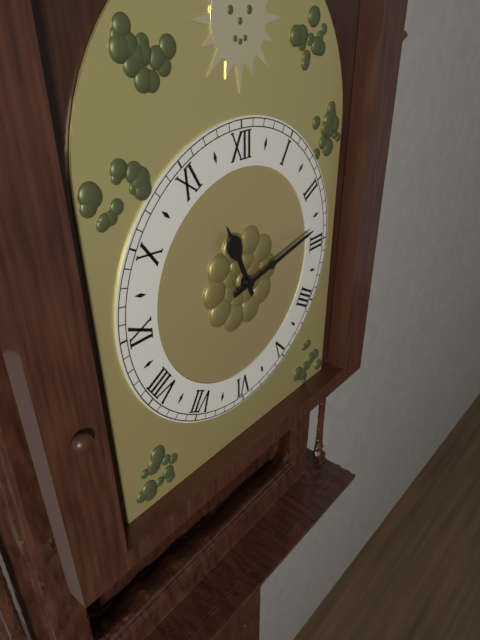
11:13
